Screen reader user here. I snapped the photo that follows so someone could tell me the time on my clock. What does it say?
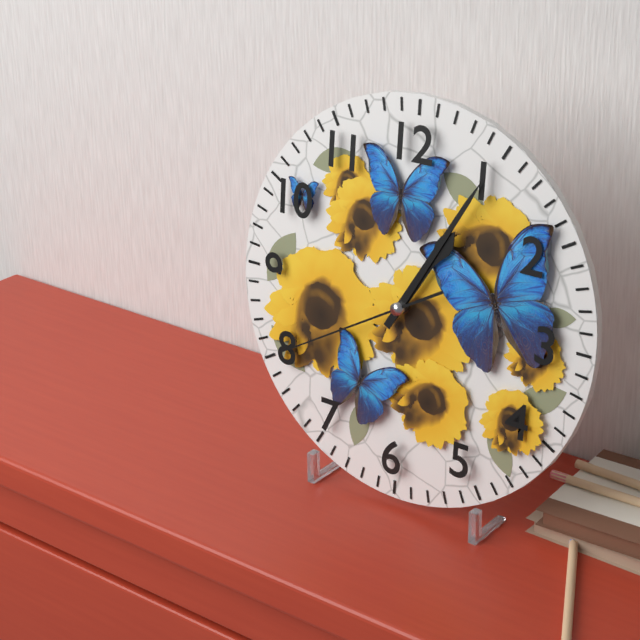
1:05:40
